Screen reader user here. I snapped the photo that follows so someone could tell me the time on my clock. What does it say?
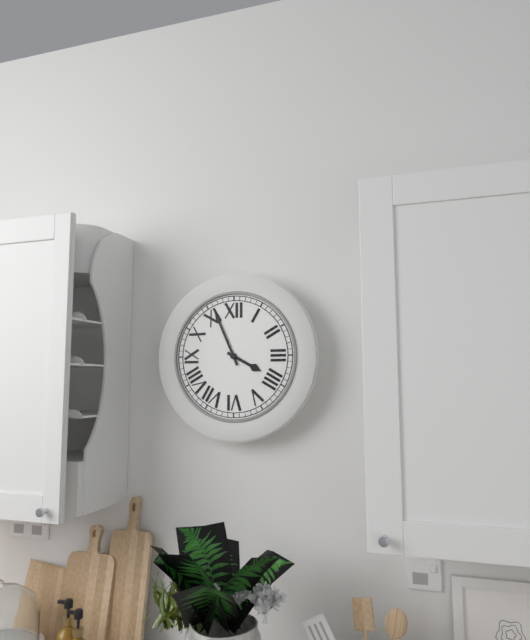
3:56
